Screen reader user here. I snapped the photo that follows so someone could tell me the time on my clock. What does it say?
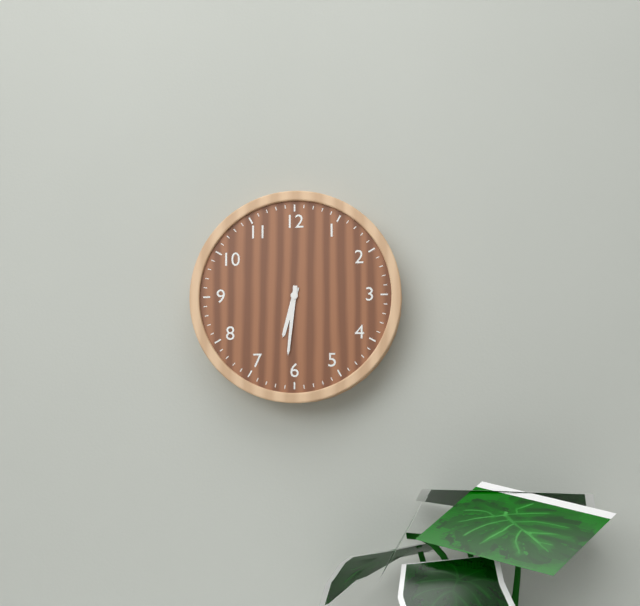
6:31
